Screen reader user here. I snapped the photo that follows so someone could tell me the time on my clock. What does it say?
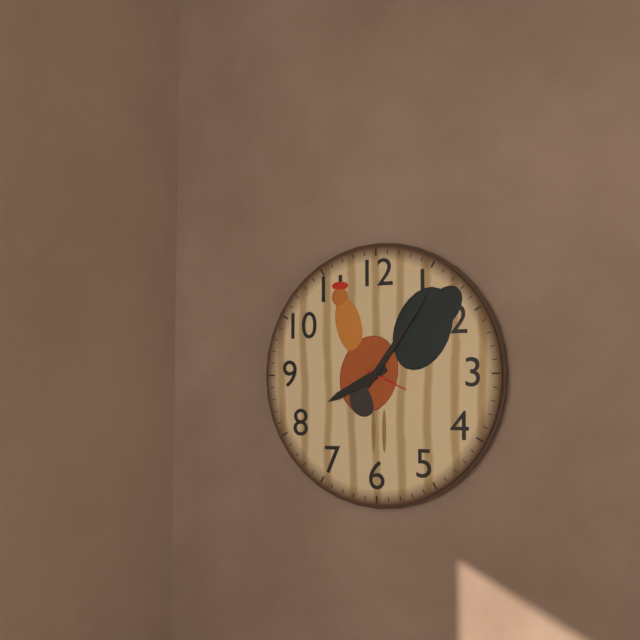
8:06
